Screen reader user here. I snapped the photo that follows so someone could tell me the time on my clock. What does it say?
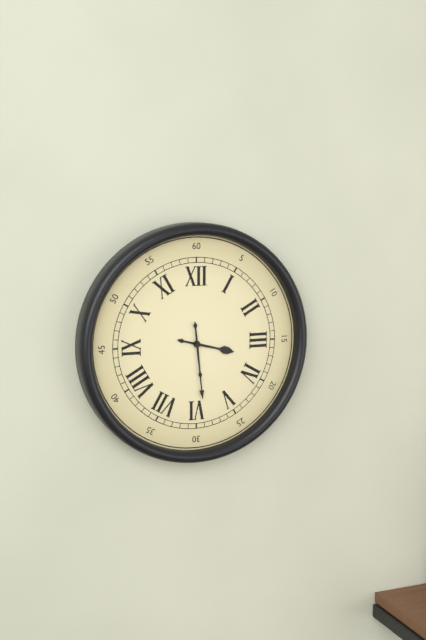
3:29
